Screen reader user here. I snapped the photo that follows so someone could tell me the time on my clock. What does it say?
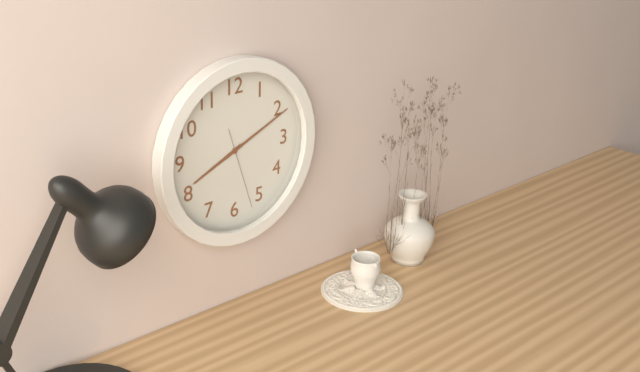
8:11:27
